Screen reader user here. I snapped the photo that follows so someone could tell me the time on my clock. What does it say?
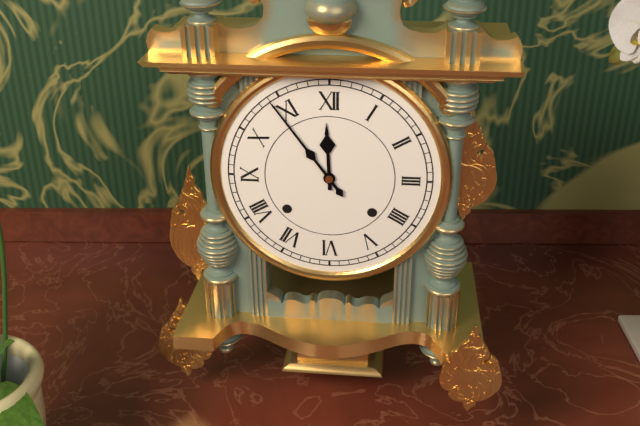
11:54
